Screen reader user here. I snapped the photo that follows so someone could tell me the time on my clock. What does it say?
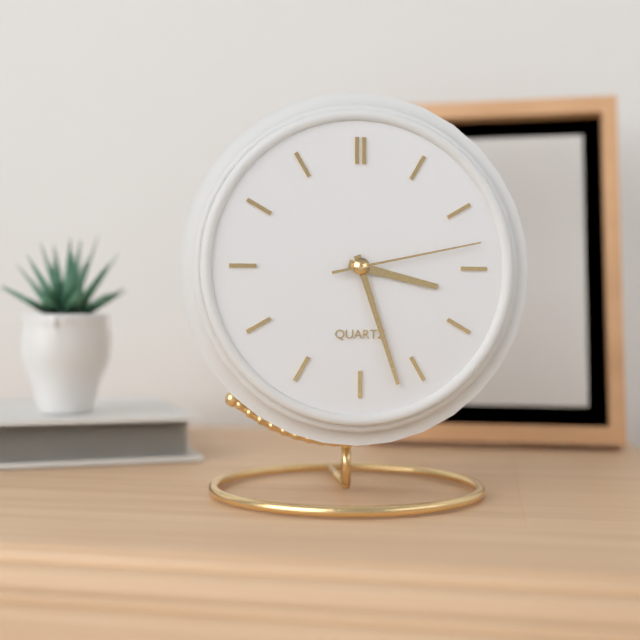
3:27:13
